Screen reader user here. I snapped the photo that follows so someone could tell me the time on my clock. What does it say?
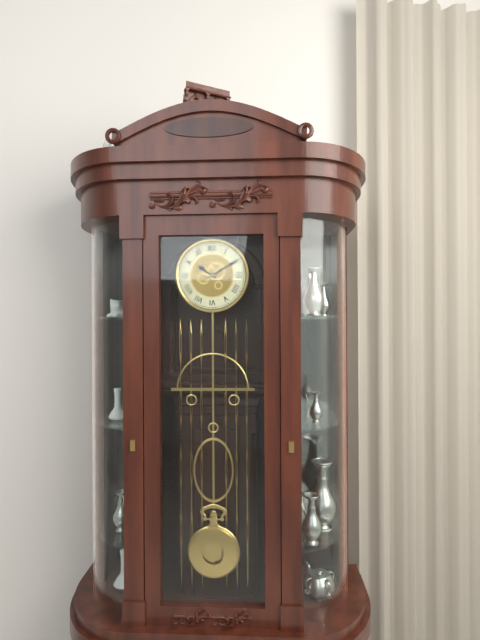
10:10
